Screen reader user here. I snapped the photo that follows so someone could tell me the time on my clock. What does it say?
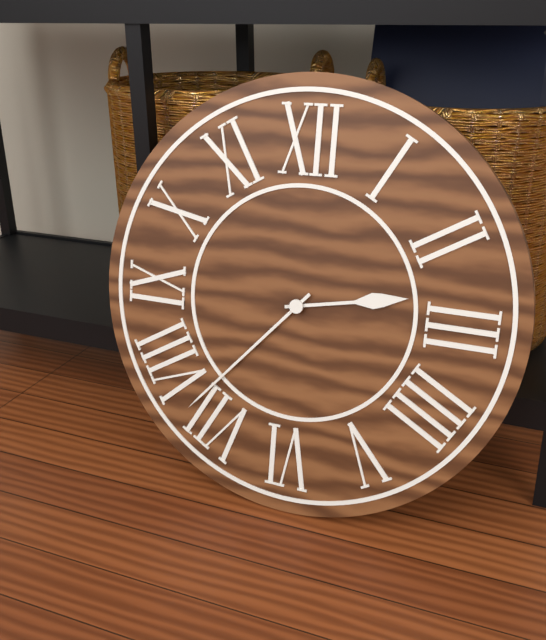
2:37
